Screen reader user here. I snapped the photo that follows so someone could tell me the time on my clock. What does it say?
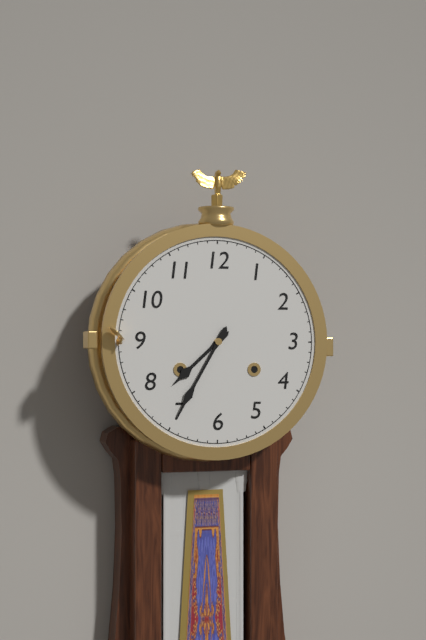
7:35
